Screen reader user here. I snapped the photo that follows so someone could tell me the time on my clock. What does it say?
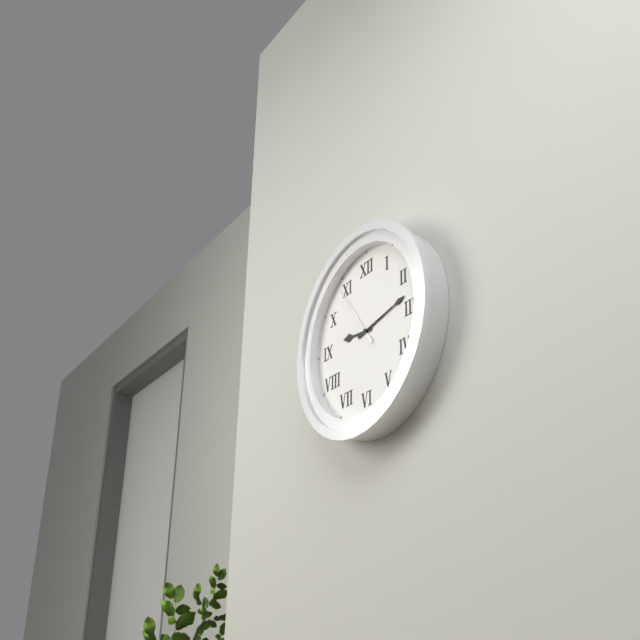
9:13:54
